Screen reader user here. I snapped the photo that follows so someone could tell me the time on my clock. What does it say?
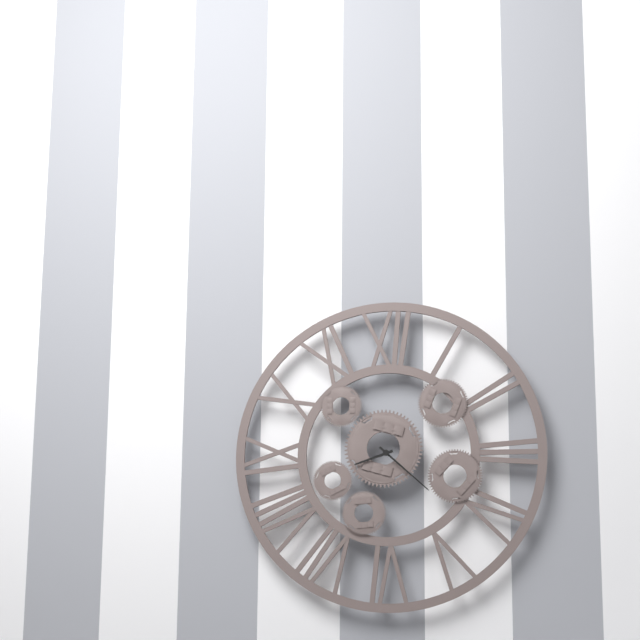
8:22
